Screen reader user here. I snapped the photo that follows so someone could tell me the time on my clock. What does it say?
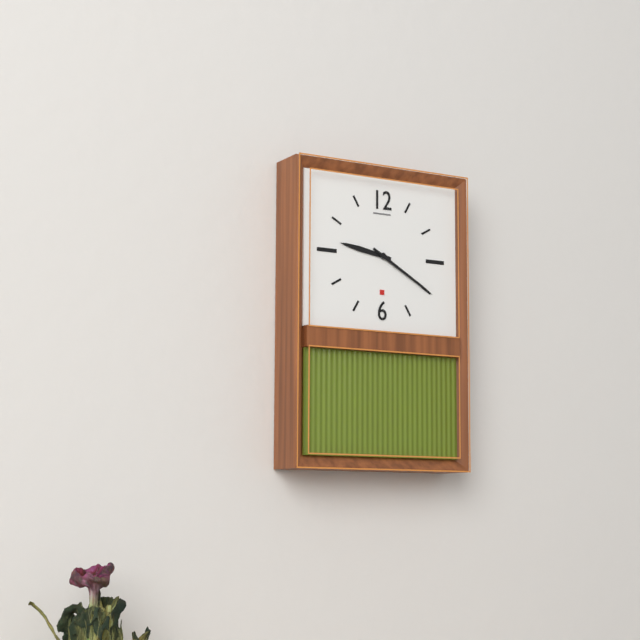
9:20
